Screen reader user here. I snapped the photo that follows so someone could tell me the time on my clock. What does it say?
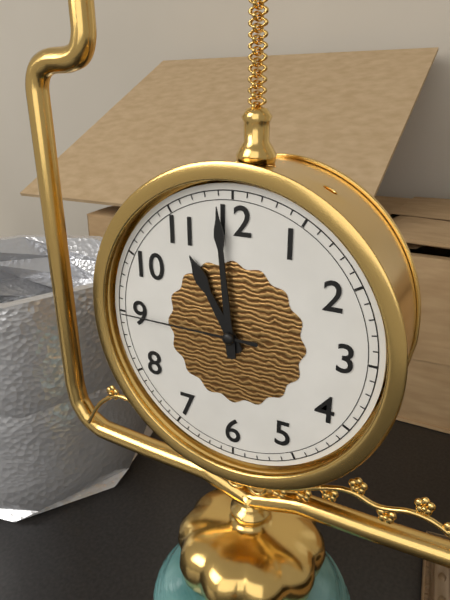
10:59:45
